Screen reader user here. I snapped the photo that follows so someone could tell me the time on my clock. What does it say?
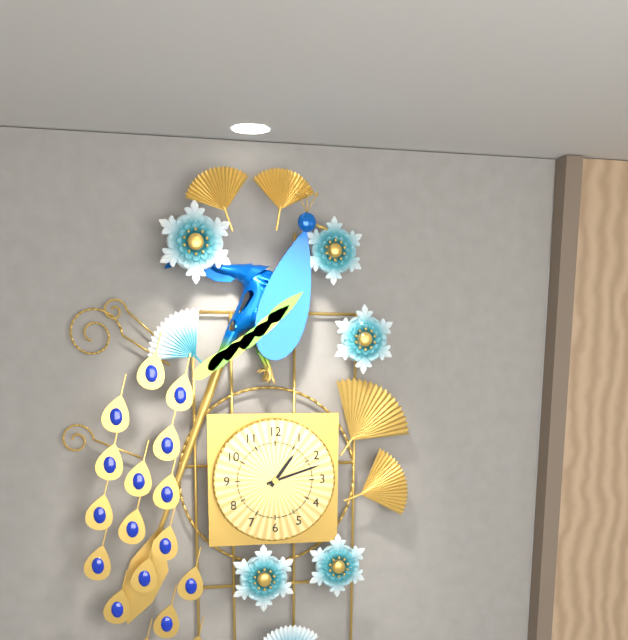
1:12
